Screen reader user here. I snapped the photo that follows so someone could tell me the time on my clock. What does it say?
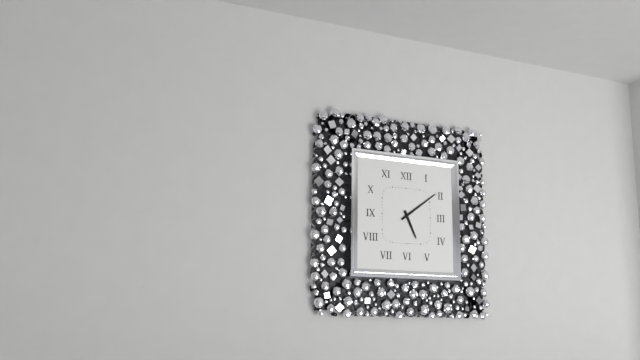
5:09
